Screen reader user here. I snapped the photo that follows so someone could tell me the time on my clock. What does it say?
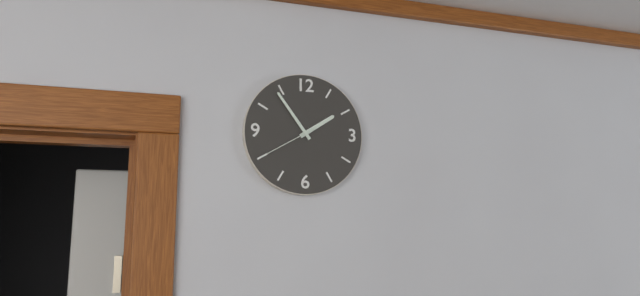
1:54:40
